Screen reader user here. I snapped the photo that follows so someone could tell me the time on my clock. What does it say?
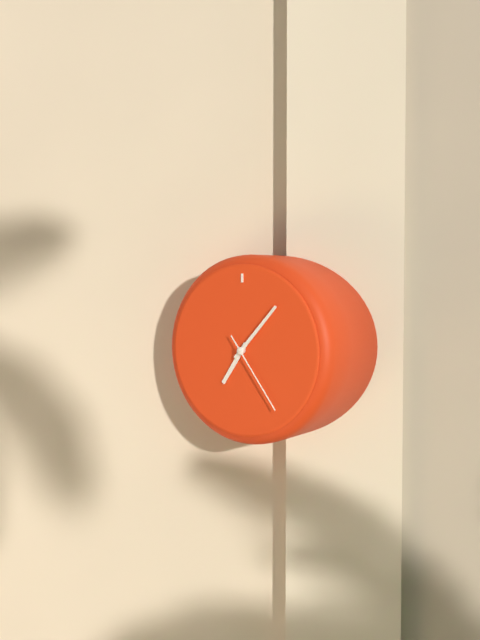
7:07:24
